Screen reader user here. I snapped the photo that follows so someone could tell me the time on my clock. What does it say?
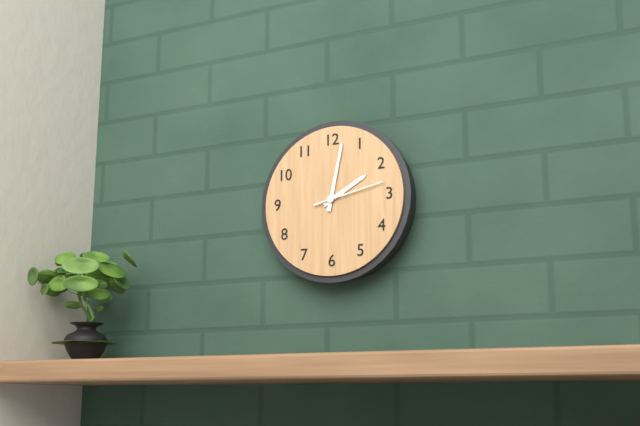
2:02:13
